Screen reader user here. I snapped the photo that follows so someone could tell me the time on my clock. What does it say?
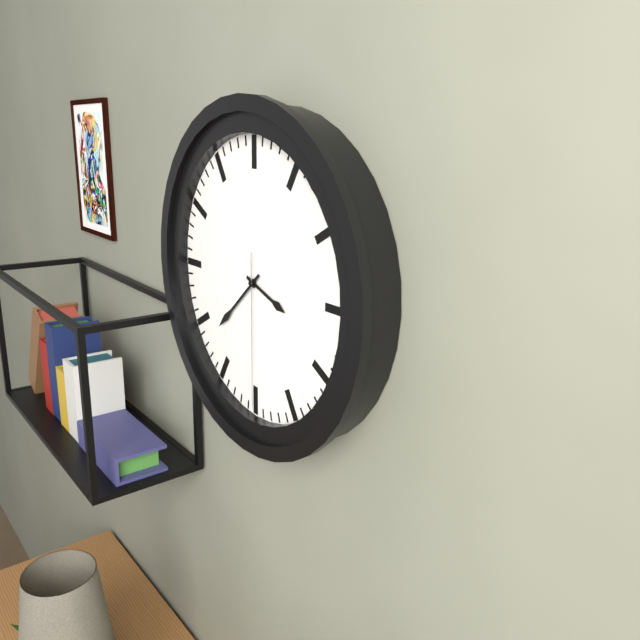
3:38:30
